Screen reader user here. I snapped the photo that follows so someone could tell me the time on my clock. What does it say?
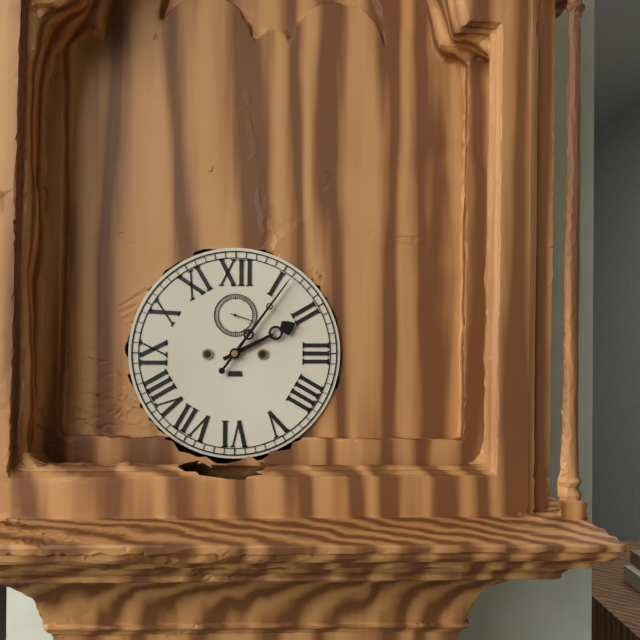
2:06
